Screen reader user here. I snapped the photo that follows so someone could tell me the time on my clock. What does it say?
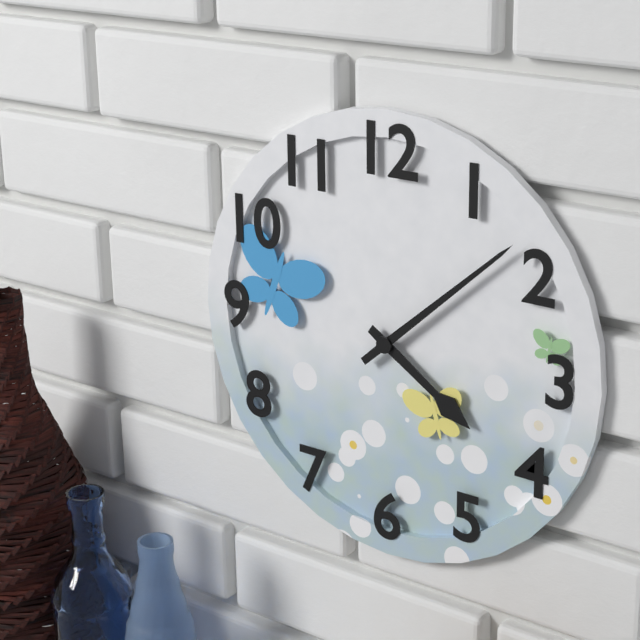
4:08
